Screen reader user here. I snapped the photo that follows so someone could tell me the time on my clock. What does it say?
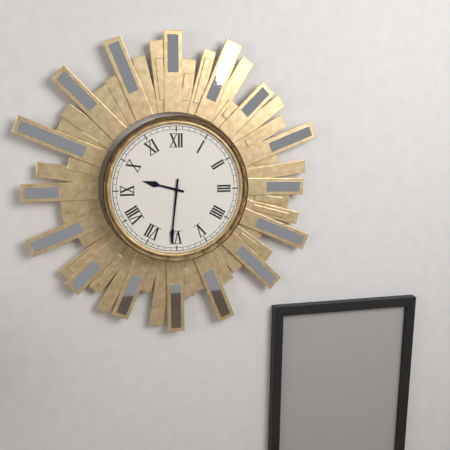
9:31
